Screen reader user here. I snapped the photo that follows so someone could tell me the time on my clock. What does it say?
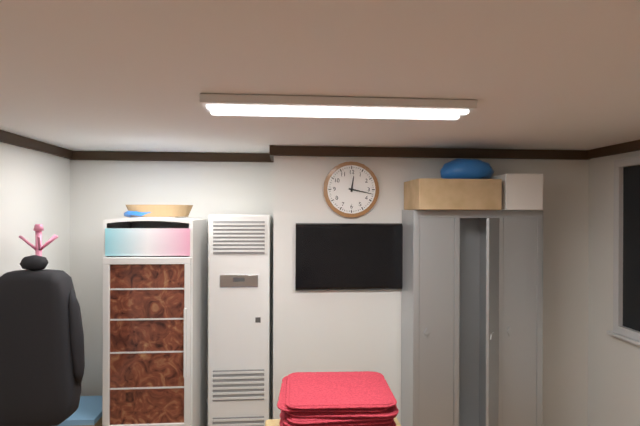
12:17
